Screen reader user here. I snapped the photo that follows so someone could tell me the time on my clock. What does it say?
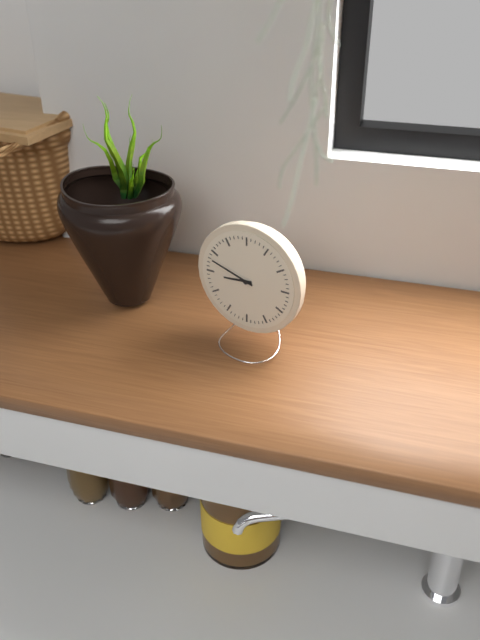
8:48
